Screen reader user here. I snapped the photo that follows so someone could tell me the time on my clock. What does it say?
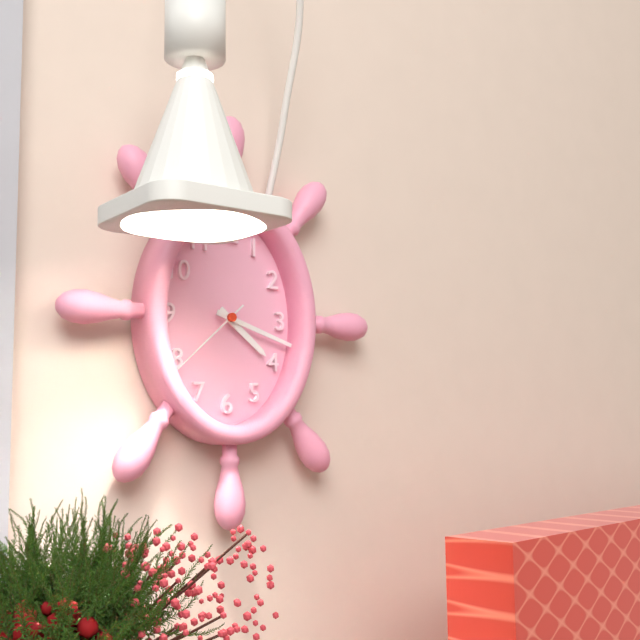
4:18:38
